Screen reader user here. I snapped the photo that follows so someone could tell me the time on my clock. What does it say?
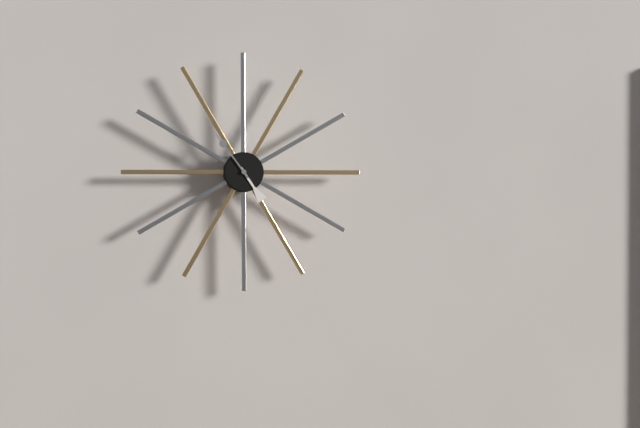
4:54
